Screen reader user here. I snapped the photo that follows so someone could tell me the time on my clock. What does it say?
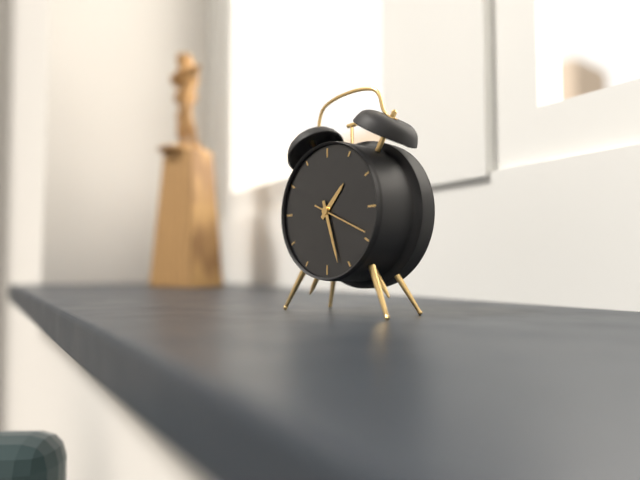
1:27:19
